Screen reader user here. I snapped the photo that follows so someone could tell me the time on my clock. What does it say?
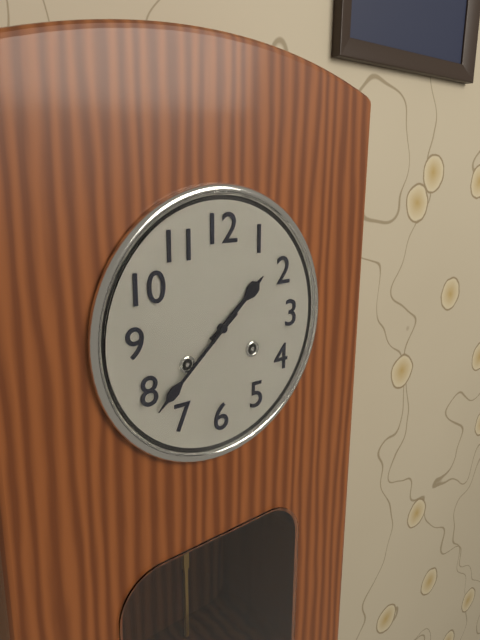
1:38
